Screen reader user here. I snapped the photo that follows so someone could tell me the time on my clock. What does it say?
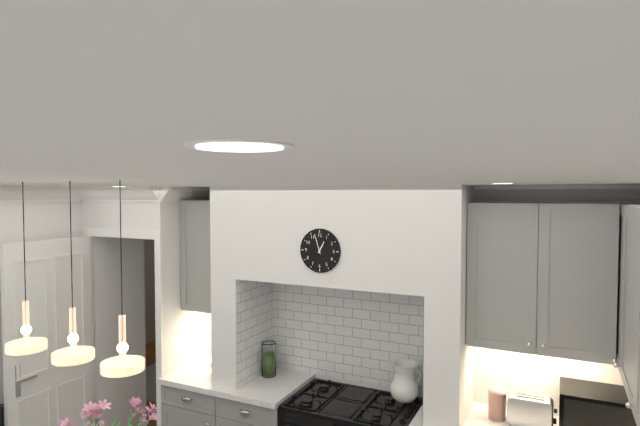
12:57
